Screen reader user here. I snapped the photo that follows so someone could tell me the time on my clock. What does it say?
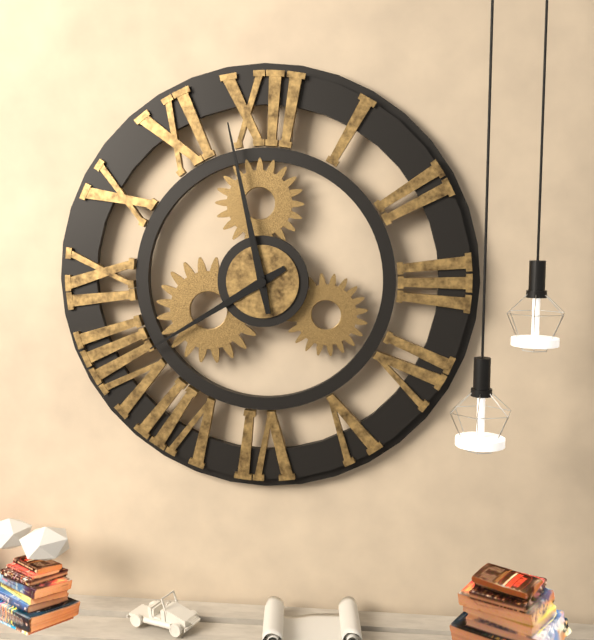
7:58
